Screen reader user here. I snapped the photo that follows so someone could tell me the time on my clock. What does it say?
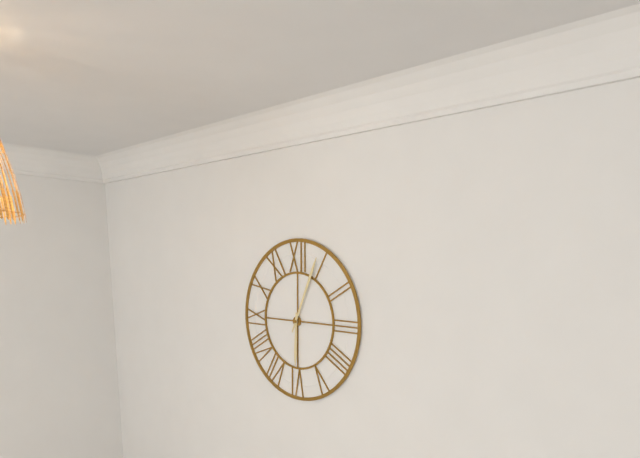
6:04
